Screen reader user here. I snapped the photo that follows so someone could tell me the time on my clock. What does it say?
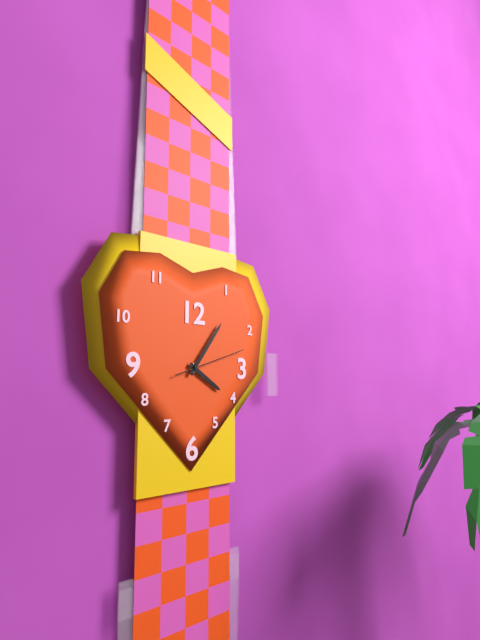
4:06:12
